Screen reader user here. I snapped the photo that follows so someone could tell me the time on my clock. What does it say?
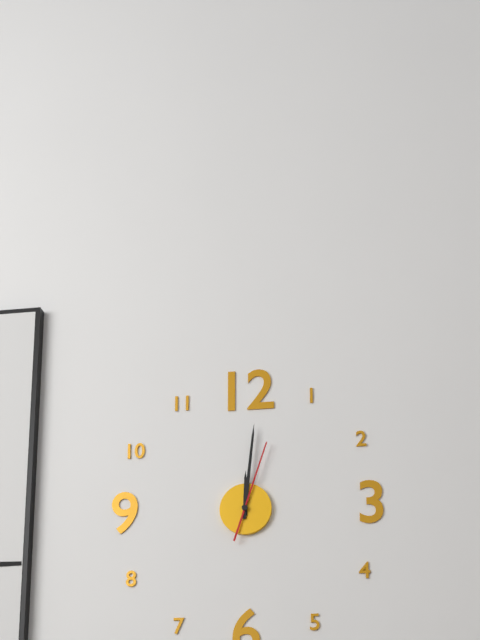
12:01:03
